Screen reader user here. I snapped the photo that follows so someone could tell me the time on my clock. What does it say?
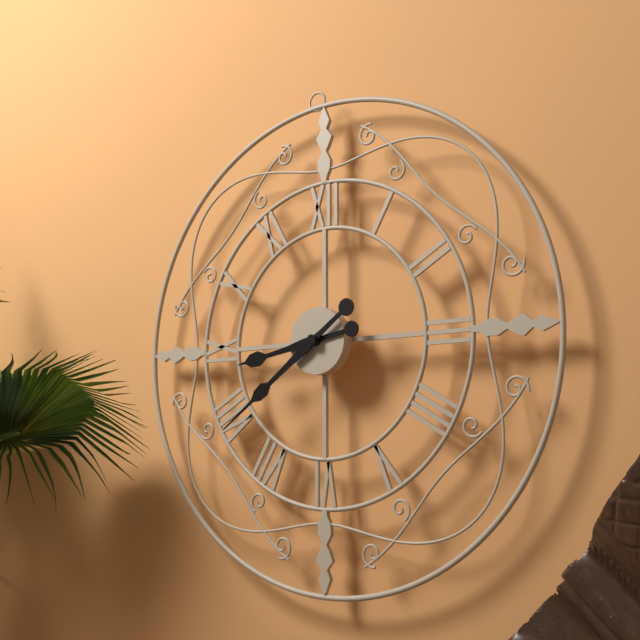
8:39
